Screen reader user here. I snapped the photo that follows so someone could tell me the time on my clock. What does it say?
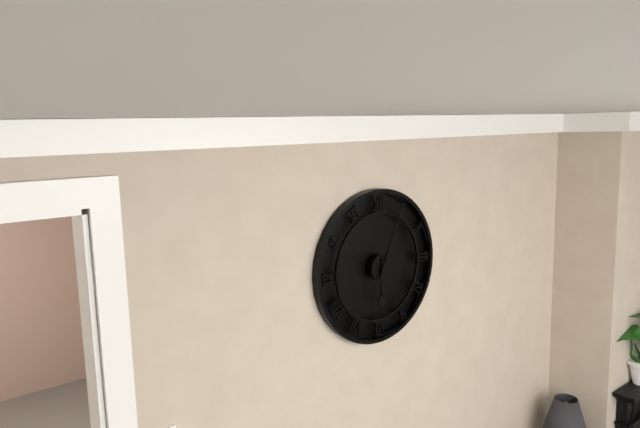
6:04
